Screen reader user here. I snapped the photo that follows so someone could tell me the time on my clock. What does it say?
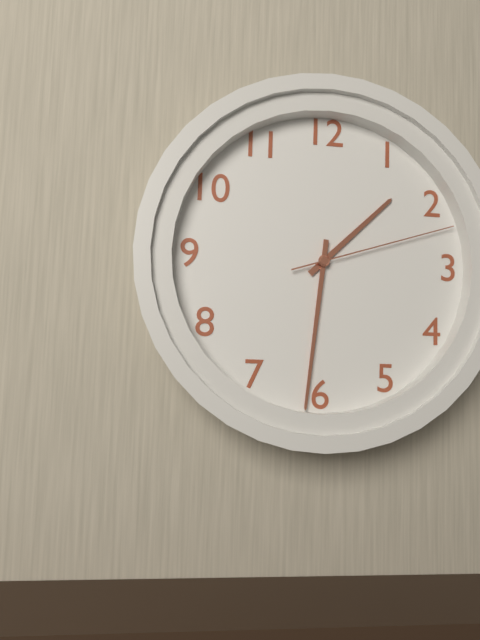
1:31:12
